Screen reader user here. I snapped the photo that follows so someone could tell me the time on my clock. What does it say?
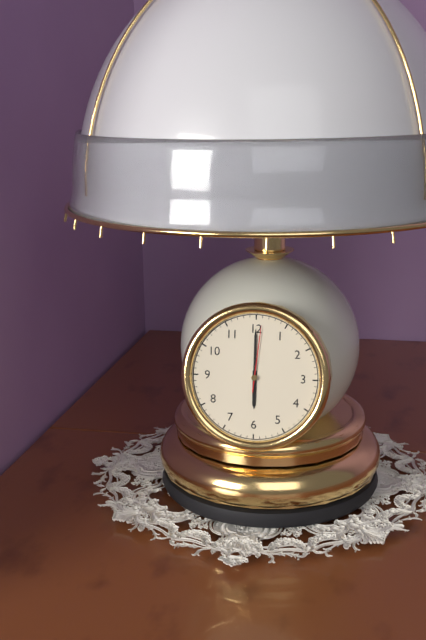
6:00:01
